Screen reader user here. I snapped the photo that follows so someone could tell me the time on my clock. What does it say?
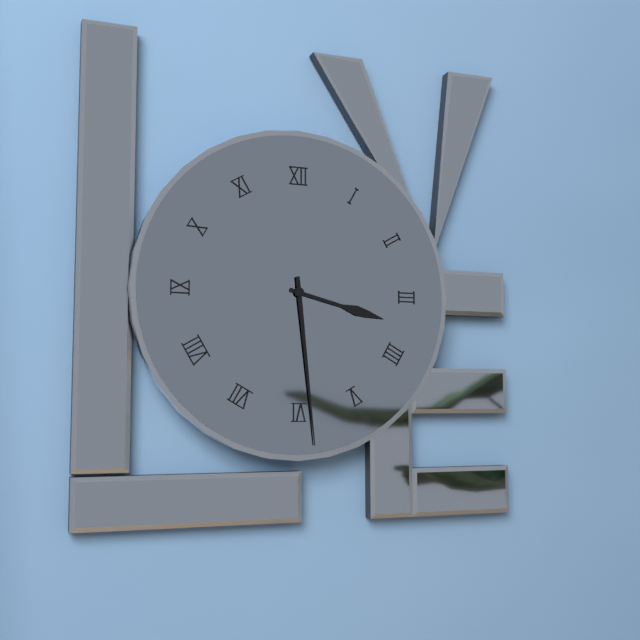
3:29
